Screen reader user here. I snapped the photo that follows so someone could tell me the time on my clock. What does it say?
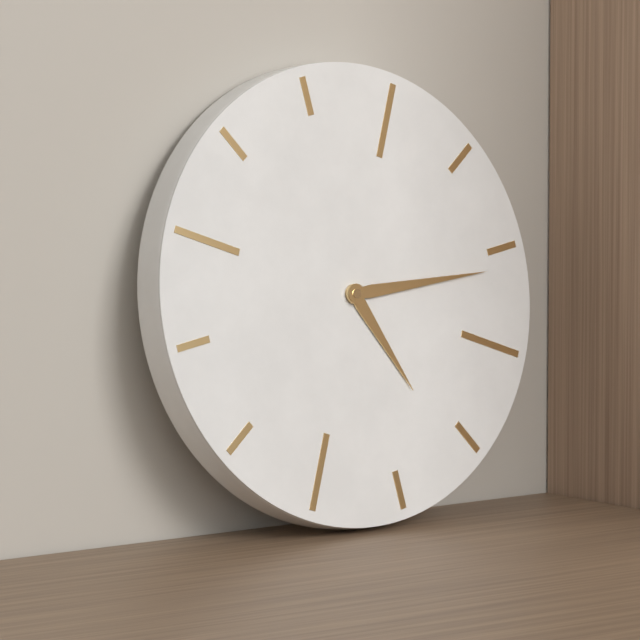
5:16
